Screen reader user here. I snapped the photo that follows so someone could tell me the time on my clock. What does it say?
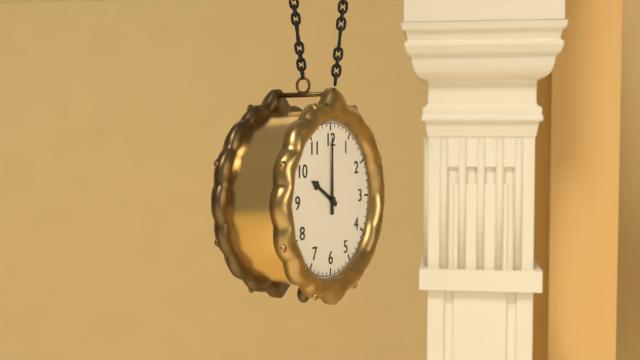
10:00
